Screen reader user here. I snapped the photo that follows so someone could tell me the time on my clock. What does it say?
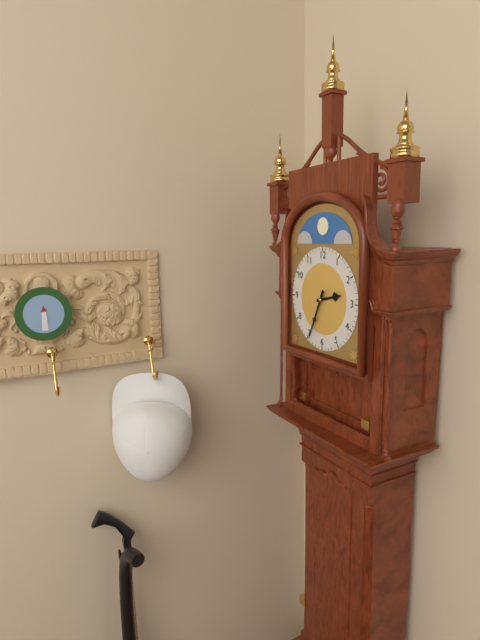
2:34
